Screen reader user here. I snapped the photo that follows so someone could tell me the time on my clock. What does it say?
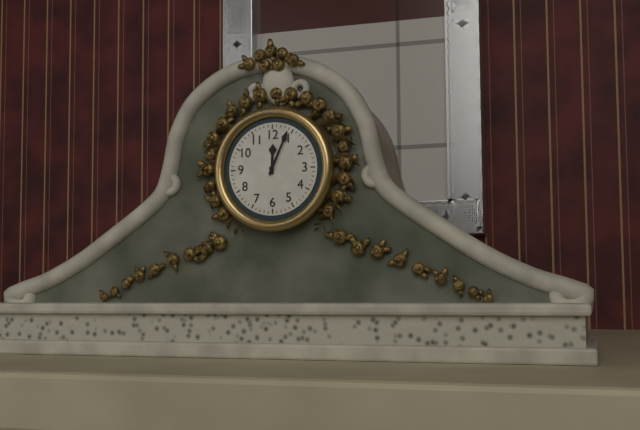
12:04
